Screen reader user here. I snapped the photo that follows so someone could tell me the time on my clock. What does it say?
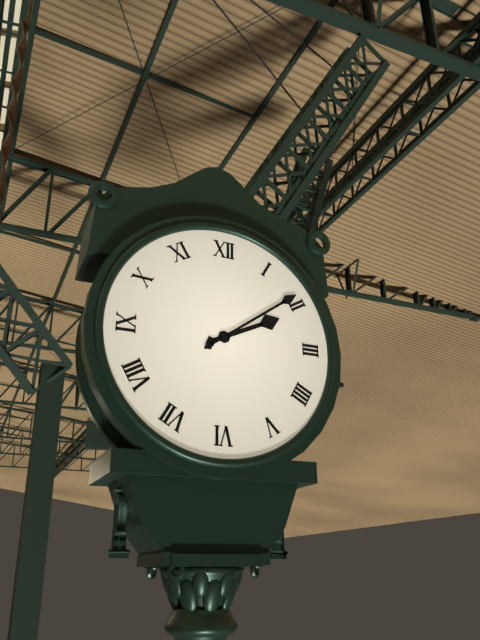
2:09
